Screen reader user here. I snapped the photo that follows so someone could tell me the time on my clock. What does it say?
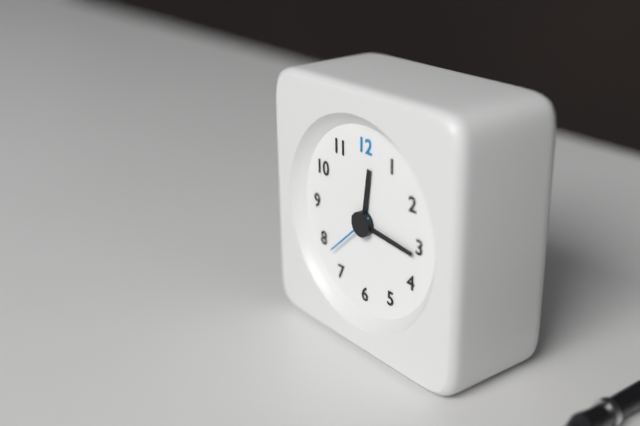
12:16:38
